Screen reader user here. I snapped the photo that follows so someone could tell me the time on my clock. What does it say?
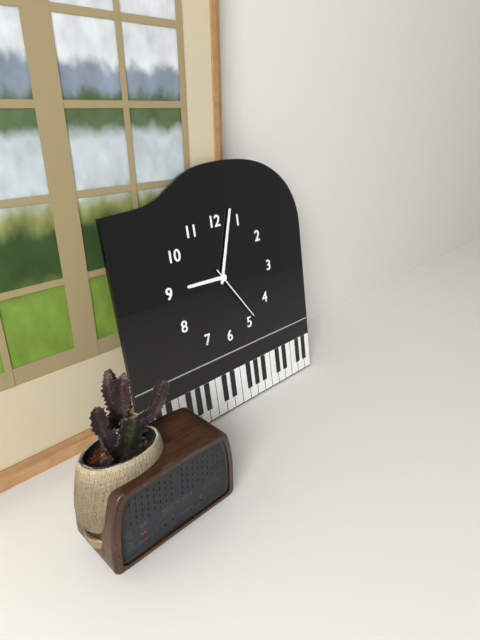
9:03:24
